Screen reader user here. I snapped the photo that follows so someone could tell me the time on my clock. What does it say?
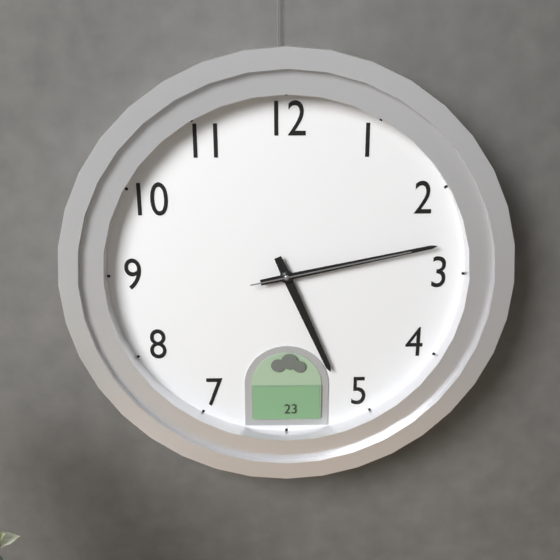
5:13:13
